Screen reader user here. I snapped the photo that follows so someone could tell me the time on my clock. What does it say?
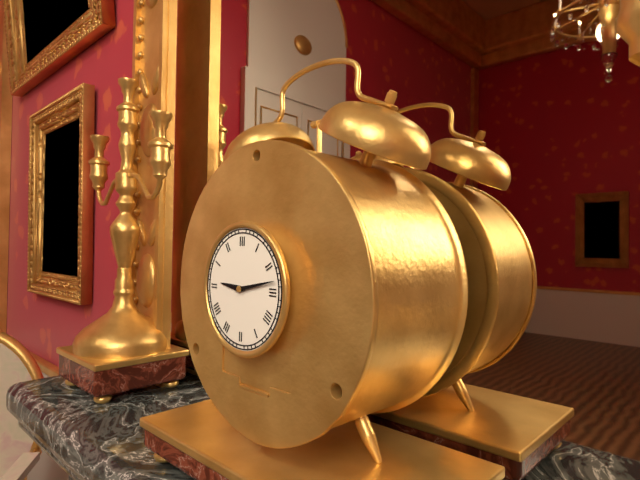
9:13
